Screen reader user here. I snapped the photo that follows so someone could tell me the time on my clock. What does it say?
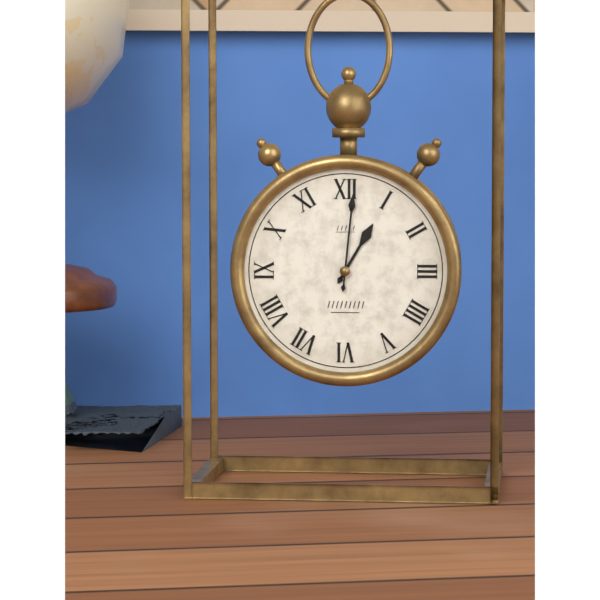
1:01
